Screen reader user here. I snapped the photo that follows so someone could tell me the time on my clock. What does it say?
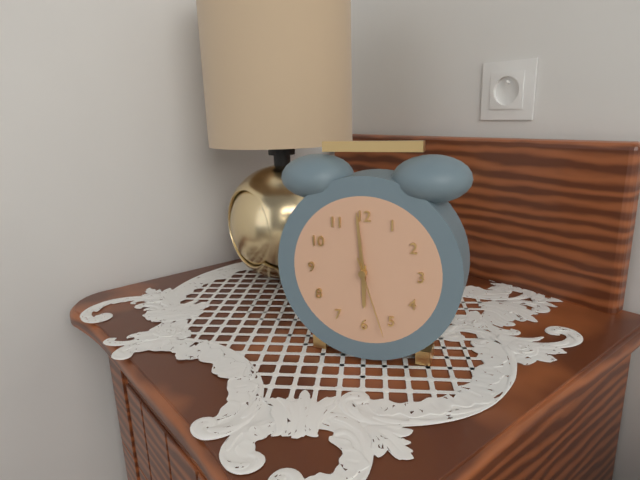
5:59:27
